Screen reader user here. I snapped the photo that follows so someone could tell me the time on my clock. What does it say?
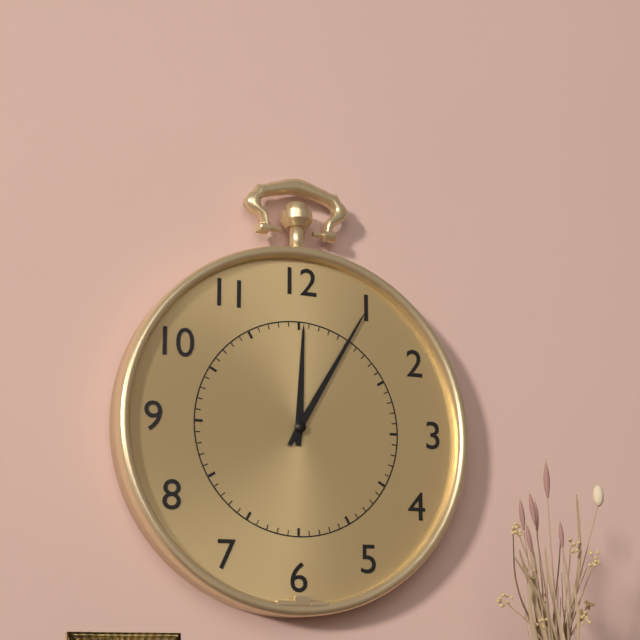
12:05
